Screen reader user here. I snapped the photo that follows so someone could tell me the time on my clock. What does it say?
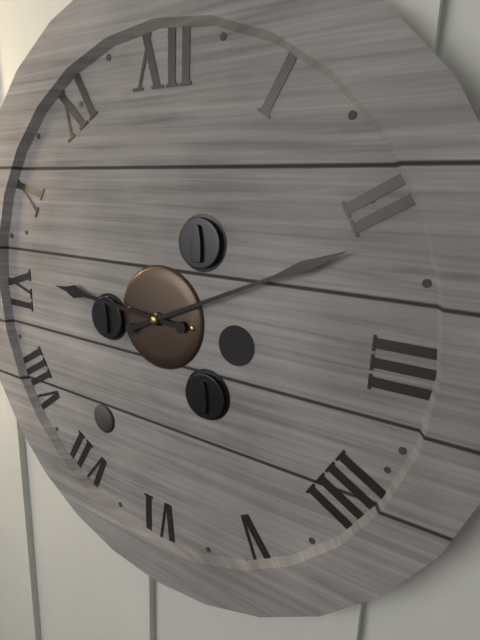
9:11
